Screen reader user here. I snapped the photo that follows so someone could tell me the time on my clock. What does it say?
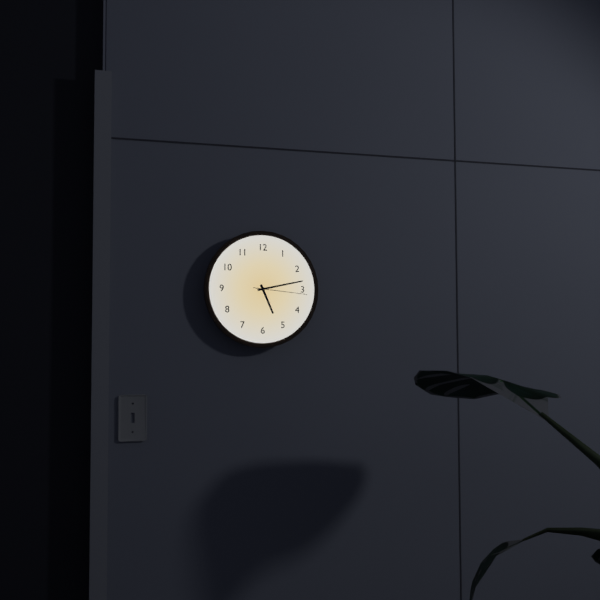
5:13:16
